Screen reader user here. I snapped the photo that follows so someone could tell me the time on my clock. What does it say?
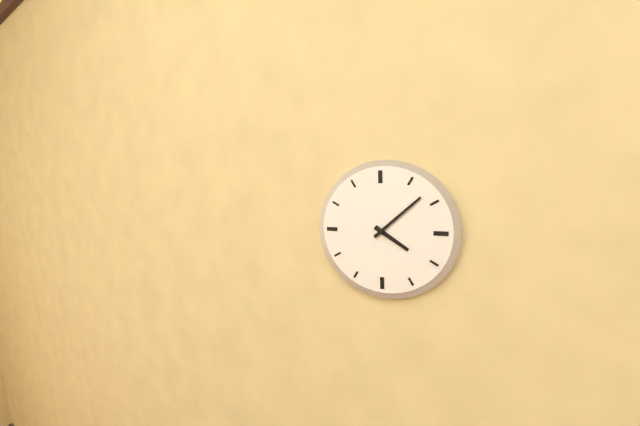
4:08
